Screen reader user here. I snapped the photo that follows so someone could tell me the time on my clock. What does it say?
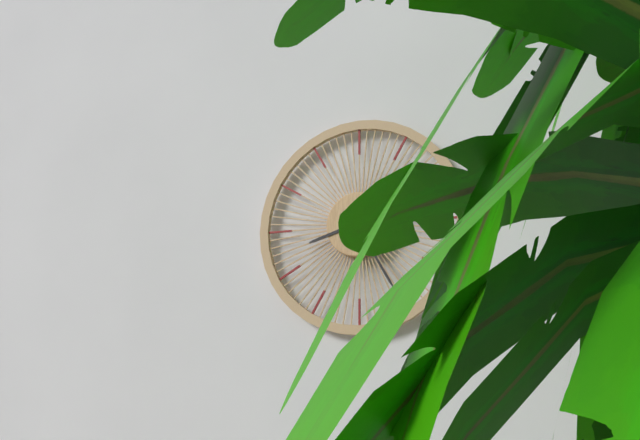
8:25
